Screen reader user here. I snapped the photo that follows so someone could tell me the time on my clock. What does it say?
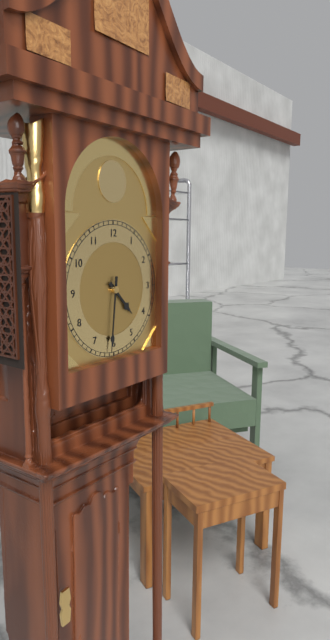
4:31
